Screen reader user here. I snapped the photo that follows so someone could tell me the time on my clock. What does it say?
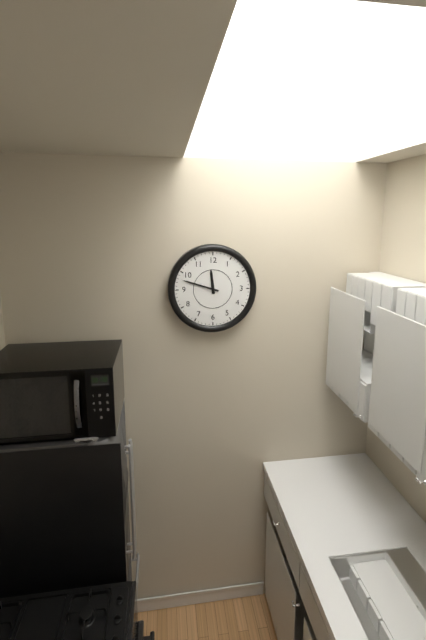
11:48
